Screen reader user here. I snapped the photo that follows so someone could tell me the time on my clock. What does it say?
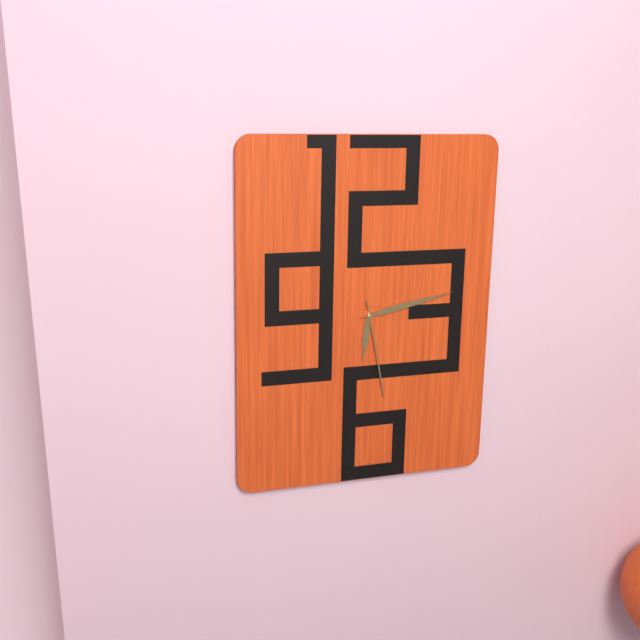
6:13:28
